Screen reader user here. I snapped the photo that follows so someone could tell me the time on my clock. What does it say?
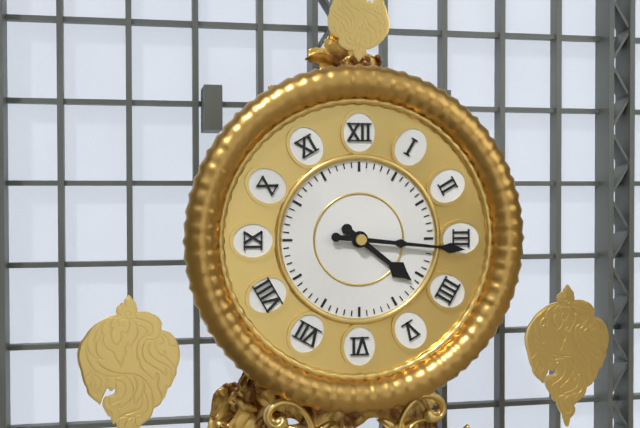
4:16
